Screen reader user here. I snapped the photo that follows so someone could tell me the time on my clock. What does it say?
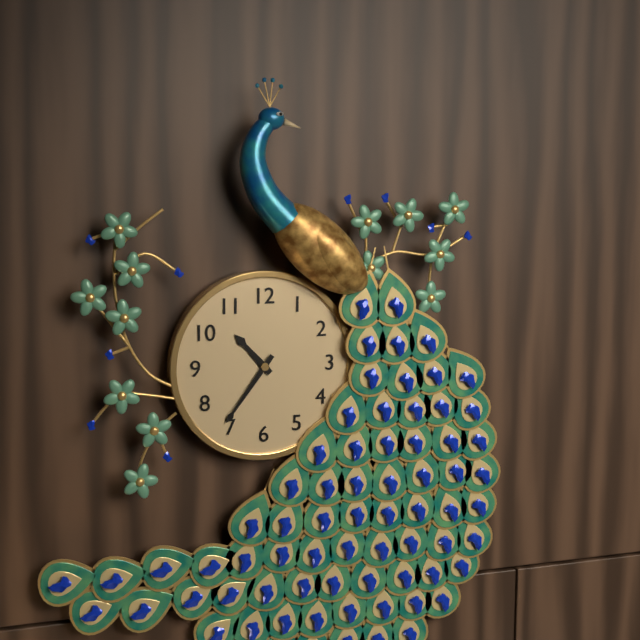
10:36
